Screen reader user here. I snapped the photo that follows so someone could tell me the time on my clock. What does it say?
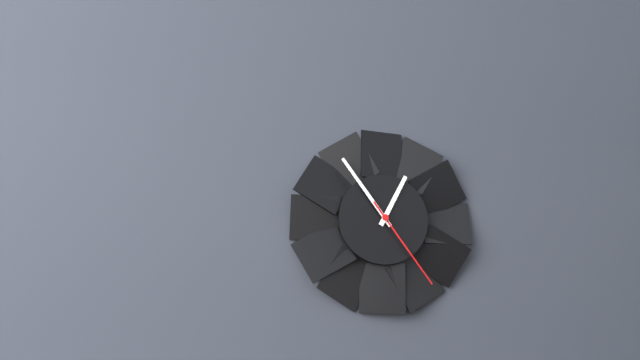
12:54:24
